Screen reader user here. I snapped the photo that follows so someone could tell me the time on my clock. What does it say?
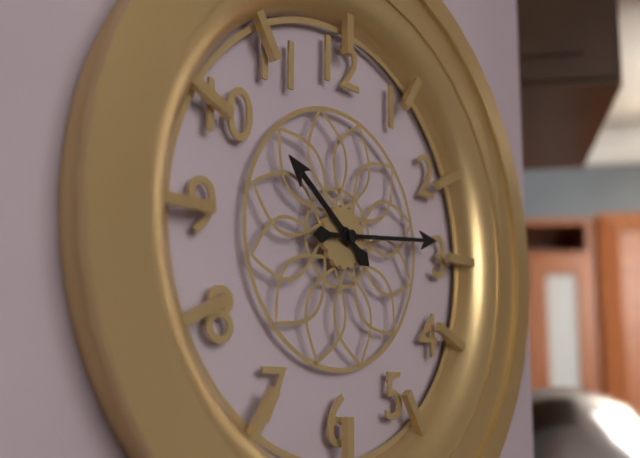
10:14
